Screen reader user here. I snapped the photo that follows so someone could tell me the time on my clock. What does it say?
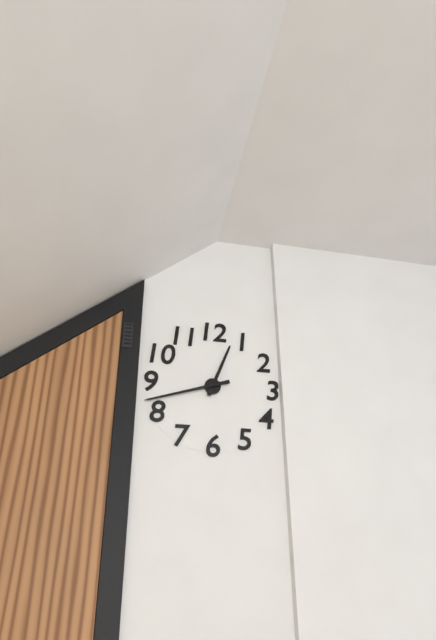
12:42
